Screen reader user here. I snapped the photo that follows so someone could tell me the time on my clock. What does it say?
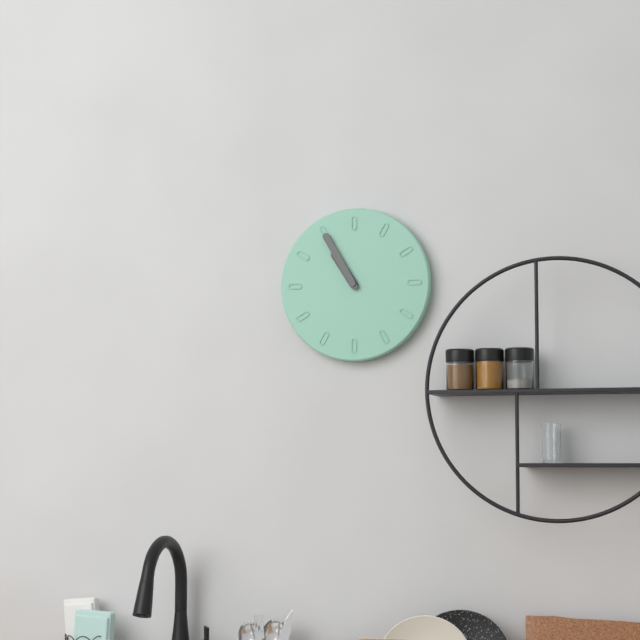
10:55
